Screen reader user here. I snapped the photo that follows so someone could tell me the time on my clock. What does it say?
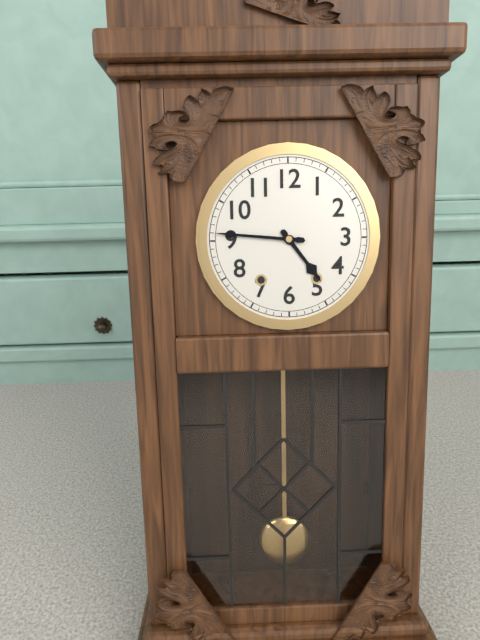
4:46
